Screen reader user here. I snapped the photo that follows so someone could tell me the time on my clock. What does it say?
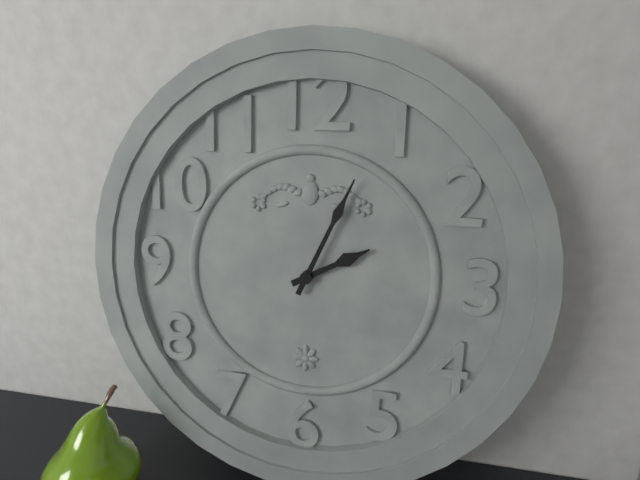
2:04
